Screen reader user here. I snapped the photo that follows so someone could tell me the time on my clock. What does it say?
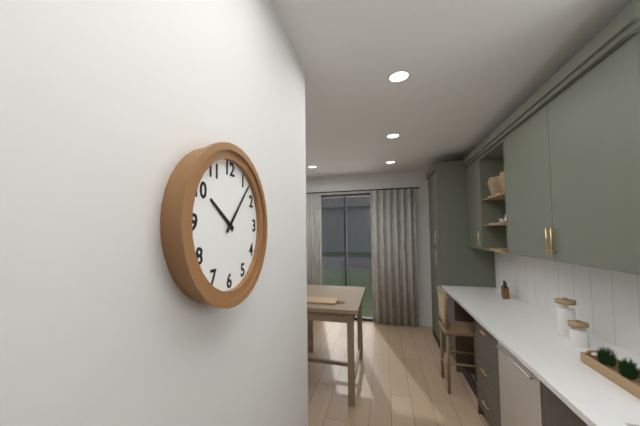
10:07
